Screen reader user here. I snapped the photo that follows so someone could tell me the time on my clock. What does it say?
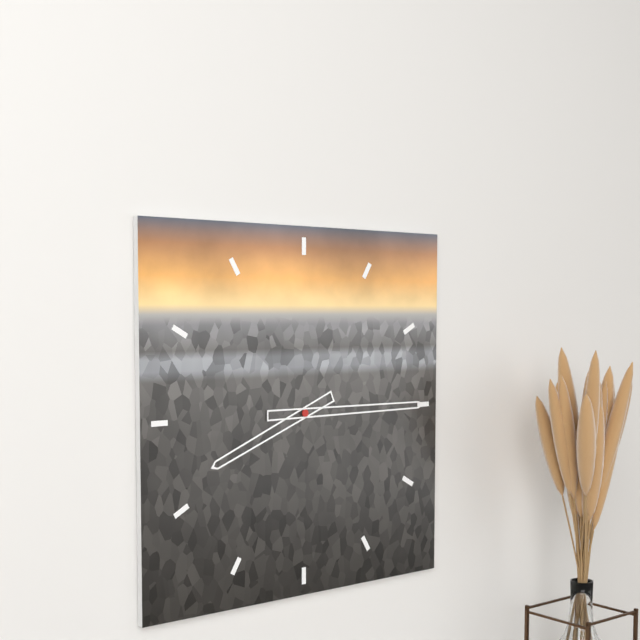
8:15
